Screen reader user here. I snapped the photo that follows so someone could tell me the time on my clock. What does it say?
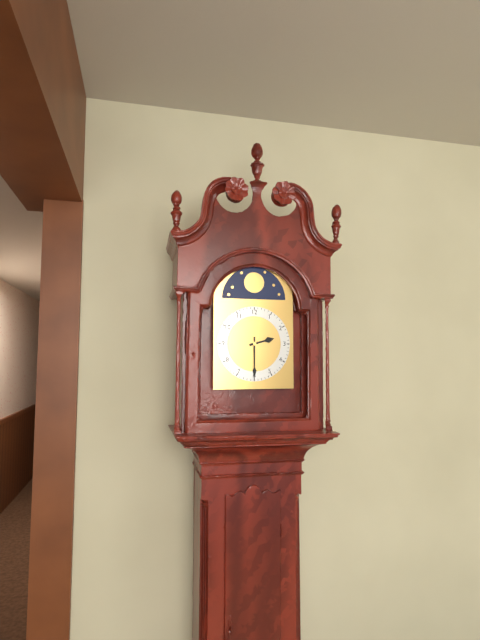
2:30
